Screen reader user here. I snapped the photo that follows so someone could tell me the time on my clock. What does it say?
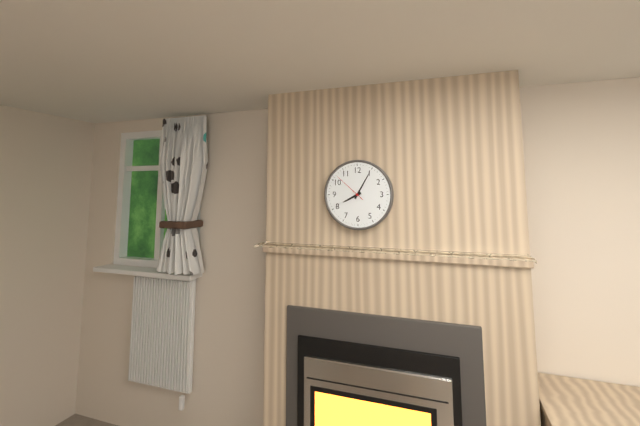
8:05
